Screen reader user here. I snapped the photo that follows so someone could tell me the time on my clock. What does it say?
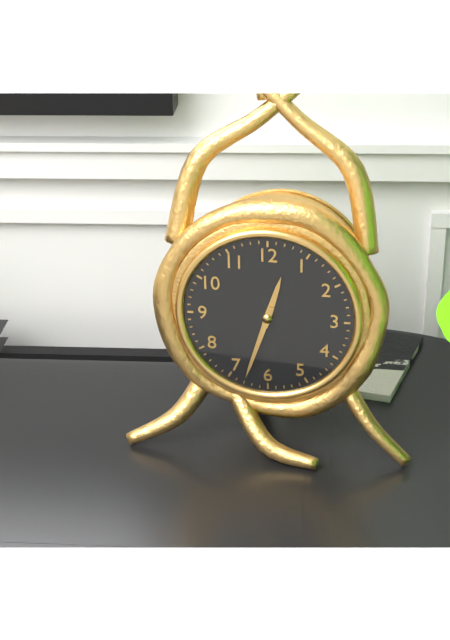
12:33
